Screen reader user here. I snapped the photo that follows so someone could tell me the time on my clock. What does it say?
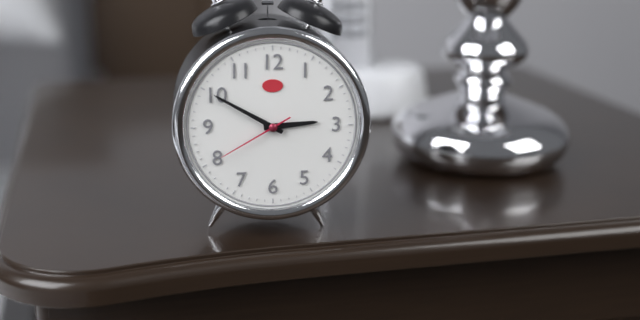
2:50:40
